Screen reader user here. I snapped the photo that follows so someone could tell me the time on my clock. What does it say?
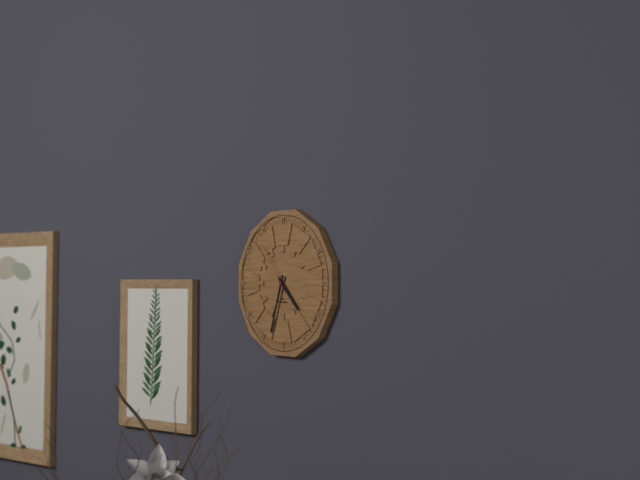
4:33
